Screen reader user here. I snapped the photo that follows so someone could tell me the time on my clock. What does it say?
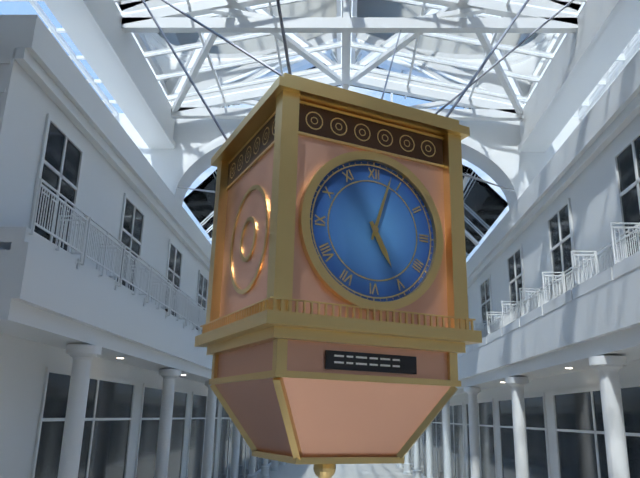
5:03
